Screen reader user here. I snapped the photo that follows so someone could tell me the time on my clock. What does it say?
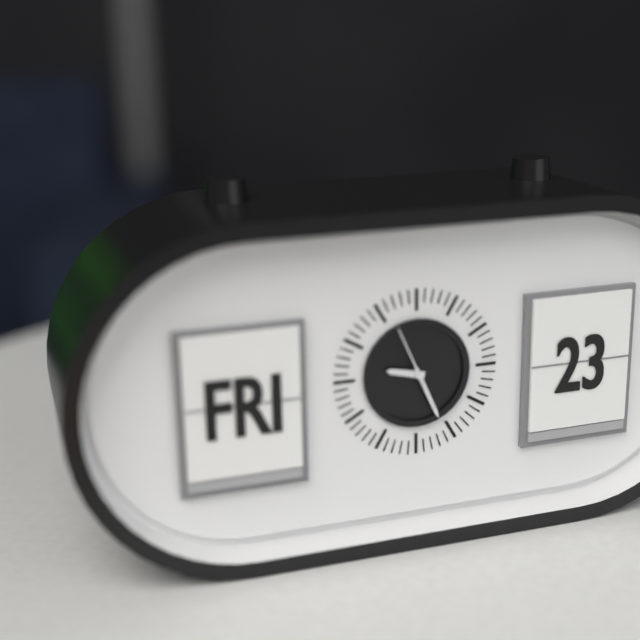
9:26
